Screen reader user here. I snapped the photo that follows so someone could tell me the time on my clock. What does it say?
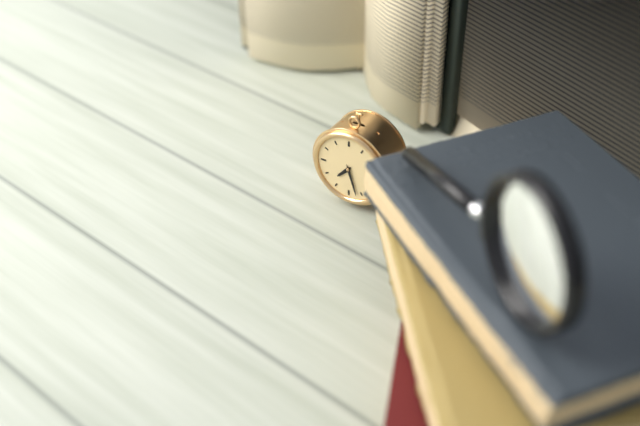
7:27
